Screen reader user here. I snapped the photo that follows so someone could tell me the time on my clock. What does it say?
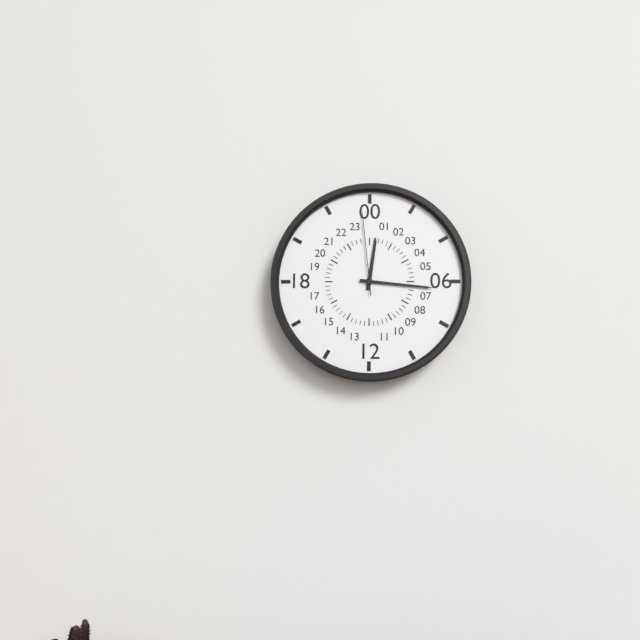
12:16:59
